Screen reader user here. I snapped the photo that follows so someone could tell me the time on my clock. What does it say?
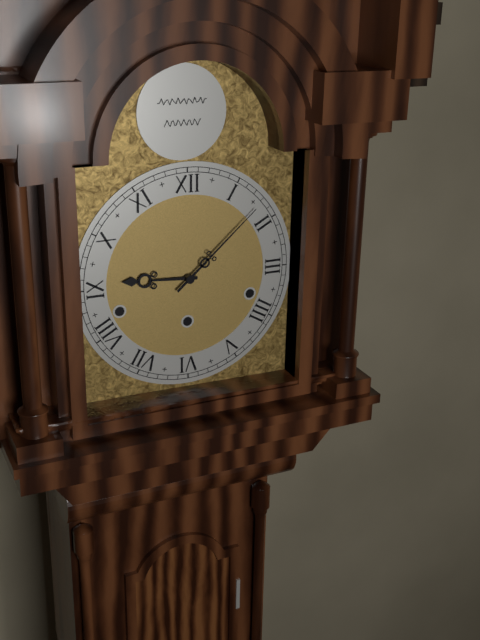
9:08
